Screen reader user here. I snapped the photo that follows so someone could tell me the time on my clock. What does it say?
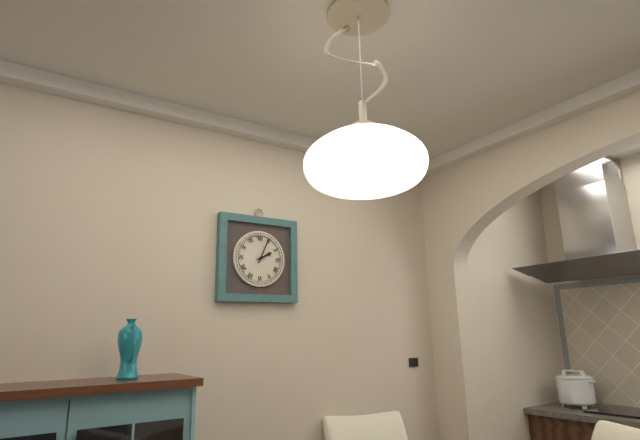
2:04
